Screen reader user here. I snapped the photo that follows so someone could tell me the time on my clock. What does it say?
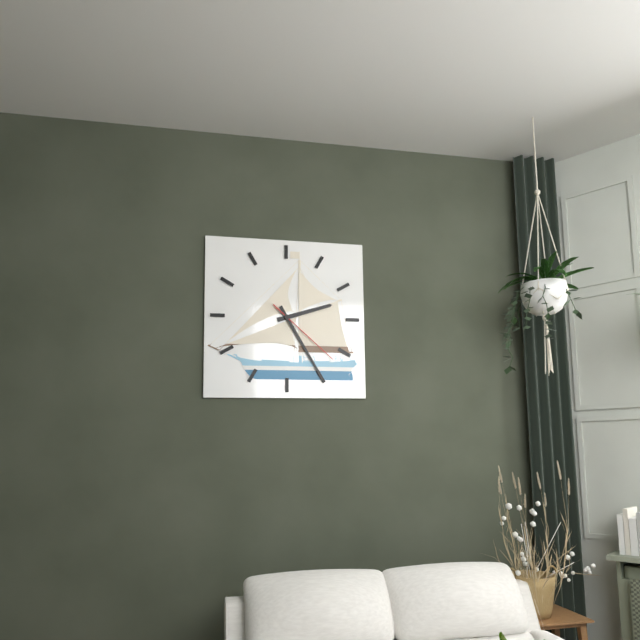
2:25:22
